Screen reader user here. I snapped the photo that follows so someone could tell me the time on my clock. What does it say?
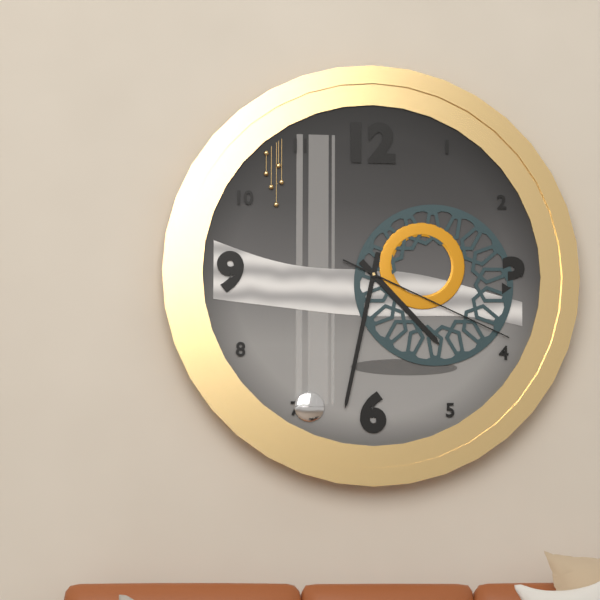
4:32:19
